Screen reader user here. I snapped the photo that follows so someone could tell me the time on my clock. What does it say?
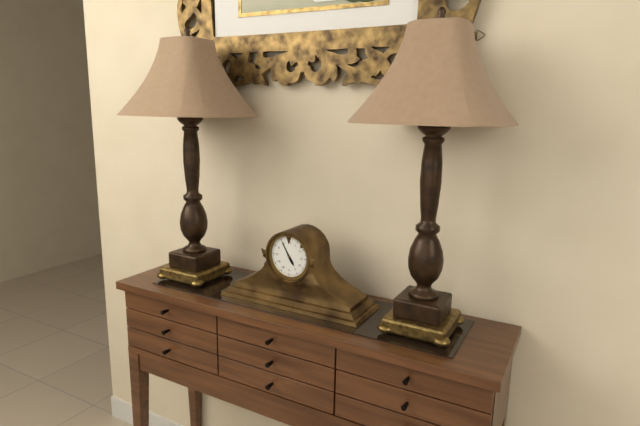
4:55
